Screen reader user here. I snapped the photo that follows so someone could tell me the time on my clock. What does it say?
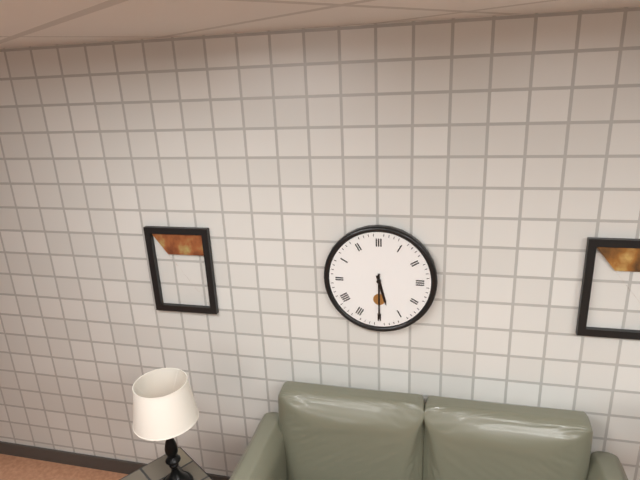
5:30
